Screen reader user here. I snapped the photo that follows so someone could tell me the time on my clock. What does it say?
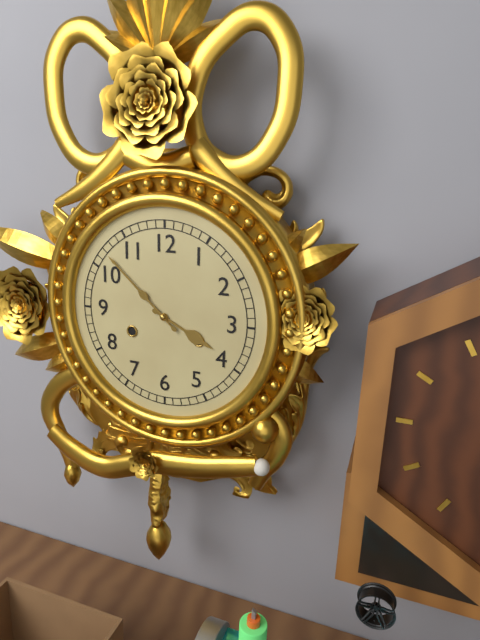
3:52
